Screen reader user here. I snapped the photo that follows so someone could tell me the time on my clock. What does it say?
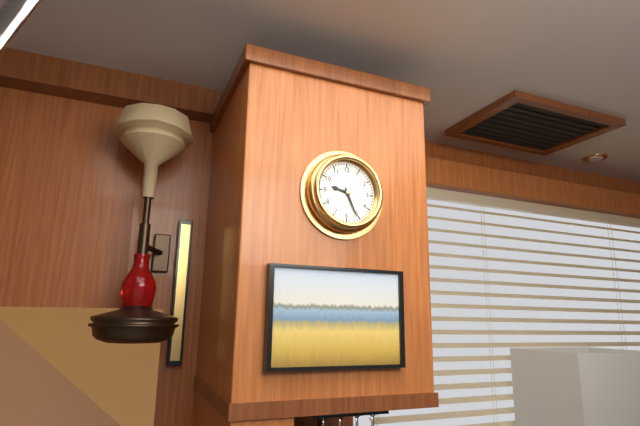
9:26
